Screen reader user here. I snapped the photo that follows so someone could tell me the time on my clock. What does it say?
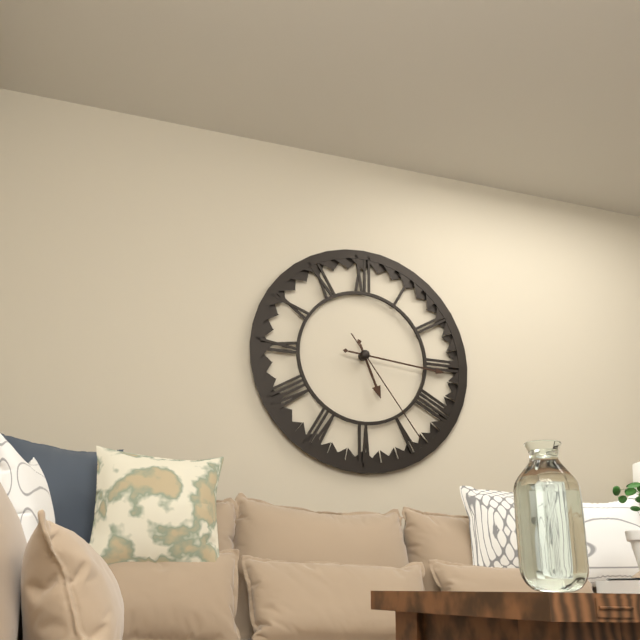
5:16:24
